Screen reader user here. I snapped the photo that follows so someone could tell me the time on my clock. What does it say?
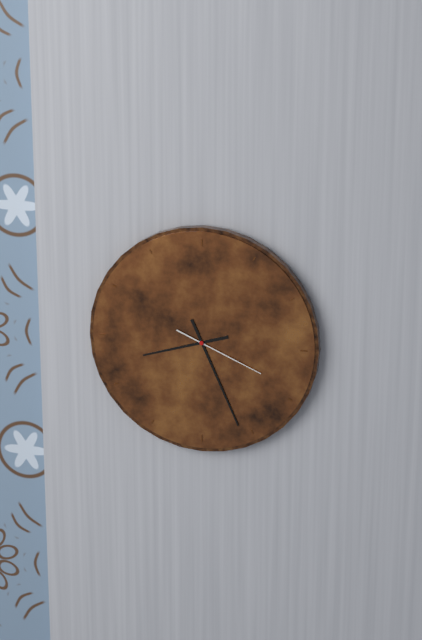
8:26:19
